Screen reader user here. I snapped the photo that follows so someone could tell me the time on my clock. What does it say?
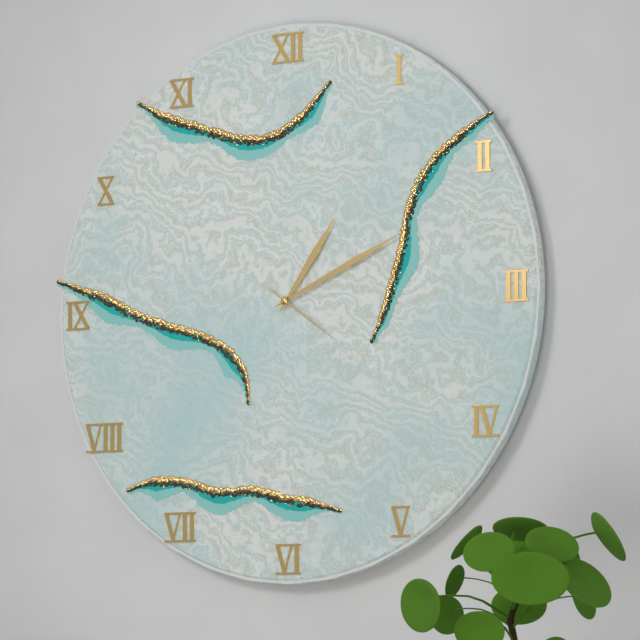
1:11:21
